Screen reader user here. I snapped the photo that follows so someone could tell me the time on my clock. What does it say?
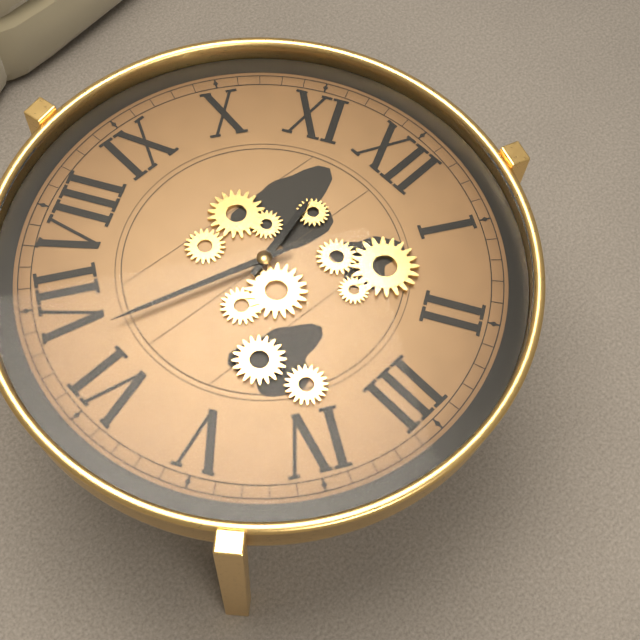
11:33
